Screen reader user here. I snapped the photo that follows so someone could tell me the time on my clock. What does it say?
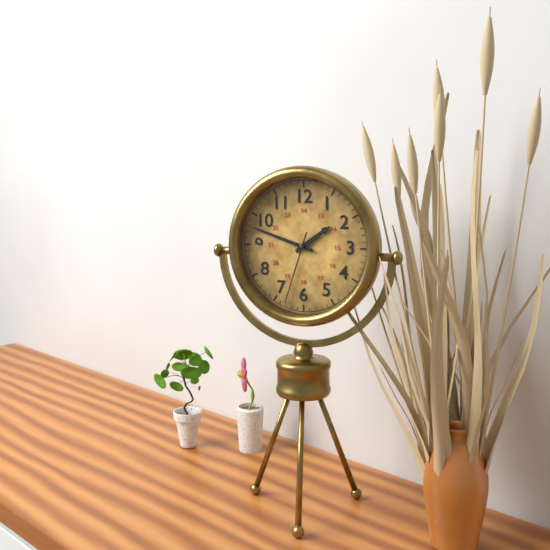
1:48:33
